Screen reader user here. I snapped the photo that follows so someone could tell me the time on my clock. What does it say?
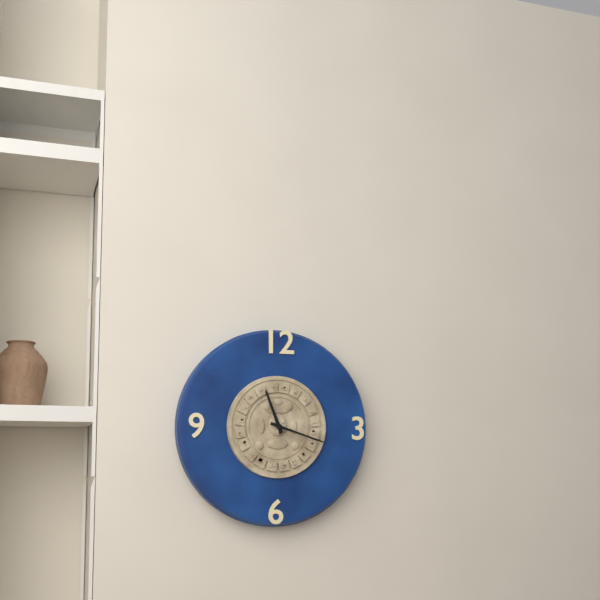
11:18
